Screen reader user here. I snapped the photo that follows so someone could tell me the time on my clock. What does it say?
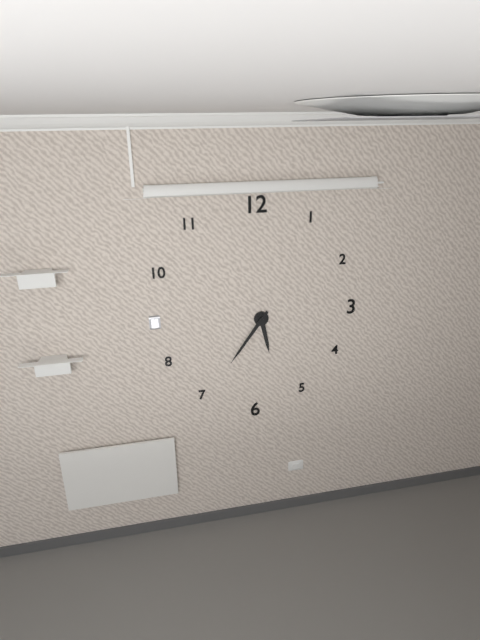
5:36
